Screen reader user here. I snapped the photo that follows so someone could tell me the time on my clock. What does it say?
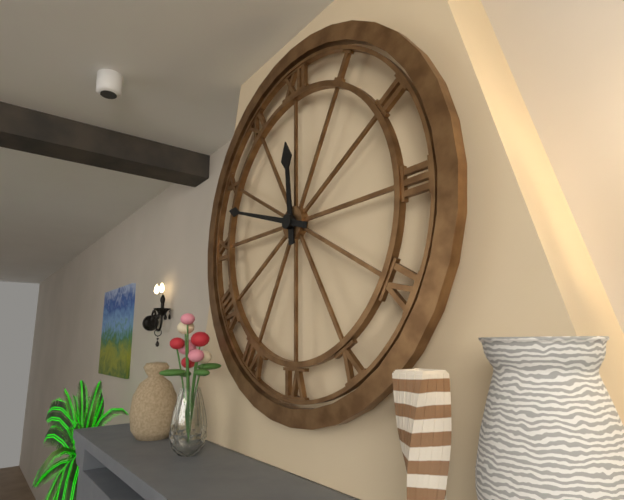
11:48
